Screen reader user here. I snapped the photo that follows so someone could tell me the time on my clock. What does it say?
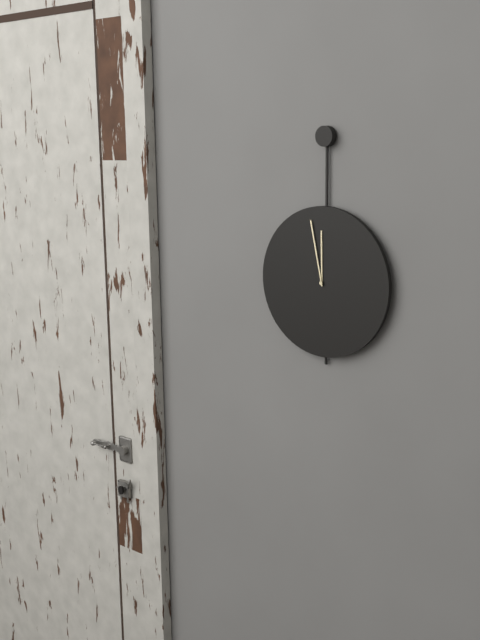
11:58
